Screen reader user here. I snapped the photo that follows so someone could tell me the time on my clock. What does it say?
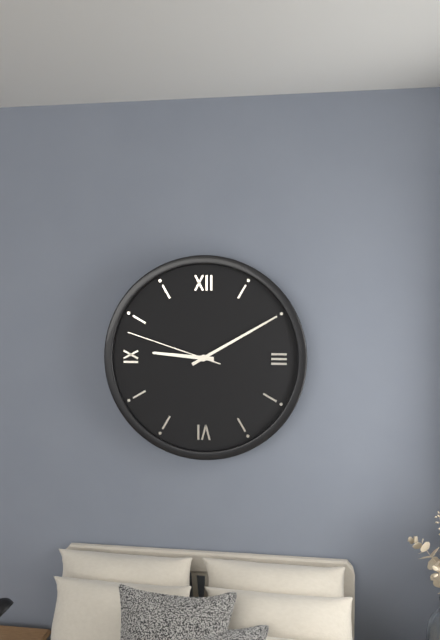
9:10:48
